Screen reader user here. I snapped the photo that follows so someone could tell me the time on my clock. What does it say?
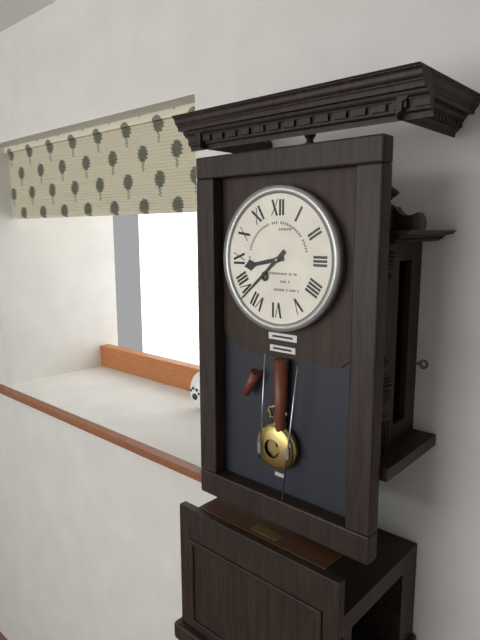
8:38
